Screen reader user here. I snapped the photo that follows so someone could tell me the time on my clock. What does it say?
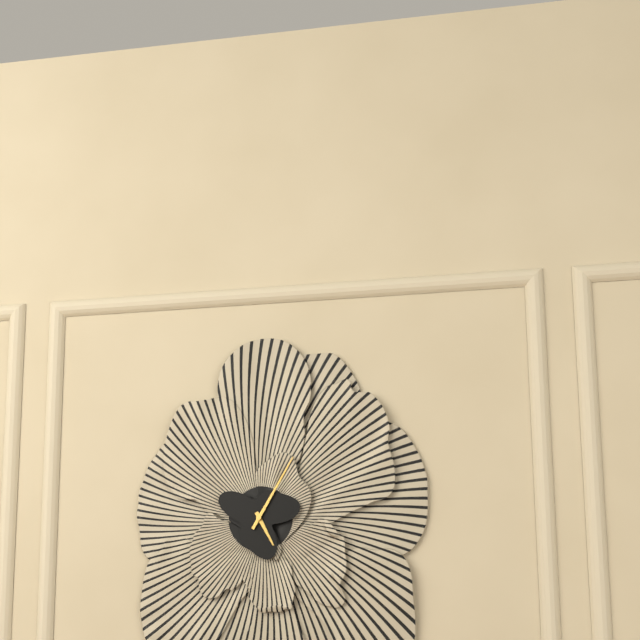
5:05
